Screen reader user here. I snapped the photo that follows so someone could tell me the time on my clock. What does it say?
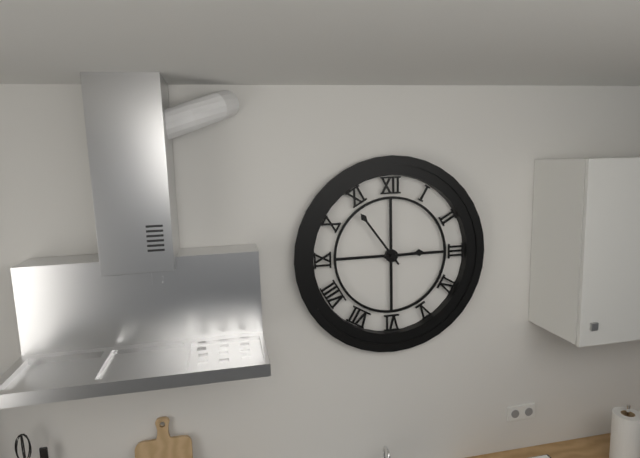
2:54
